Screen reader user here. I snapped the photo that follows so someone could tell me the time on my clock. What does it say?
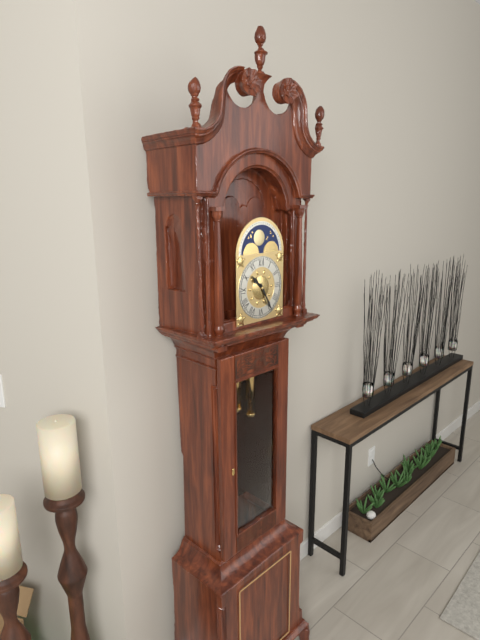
10:25
